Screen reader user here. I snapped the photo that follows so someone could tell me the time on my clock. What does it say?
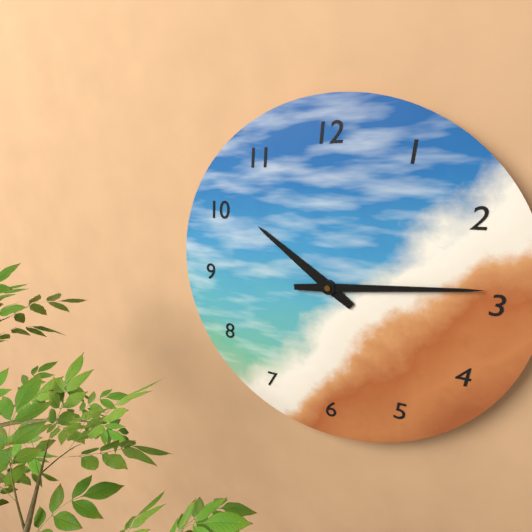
10:14
